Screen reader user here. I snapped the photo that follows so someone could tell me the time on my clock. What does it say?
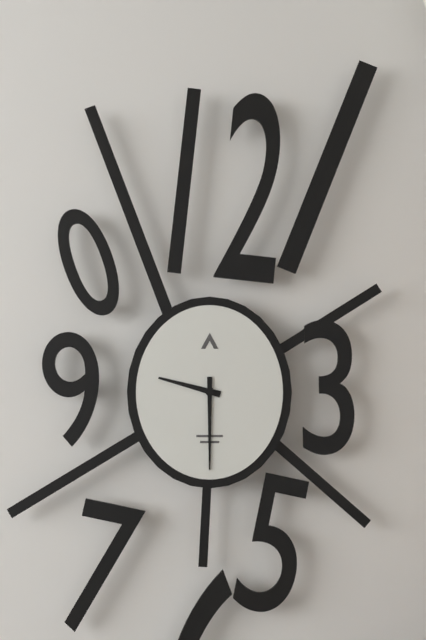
9:30
